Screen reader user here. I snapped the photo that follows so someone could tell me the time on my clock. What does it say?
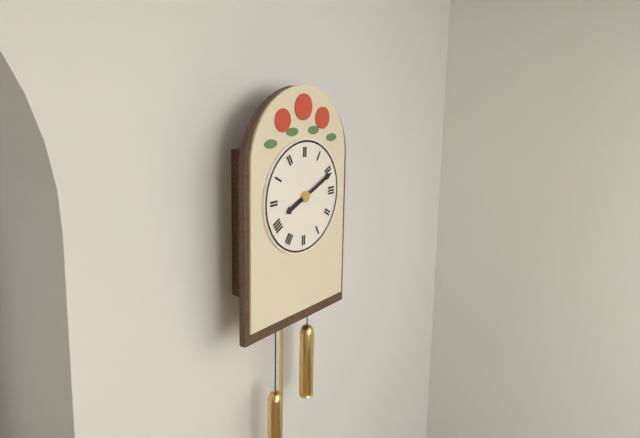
8:11
